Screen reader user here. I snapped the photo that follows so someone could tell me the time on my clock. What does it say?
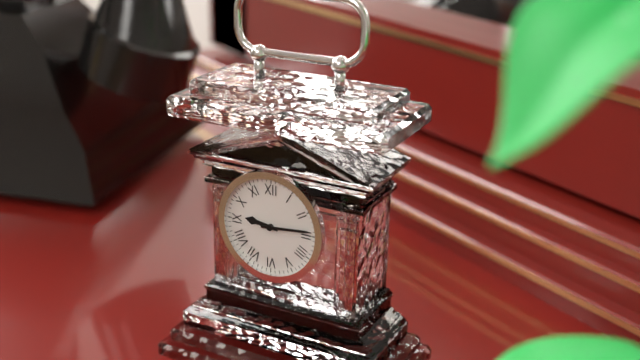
9:14
